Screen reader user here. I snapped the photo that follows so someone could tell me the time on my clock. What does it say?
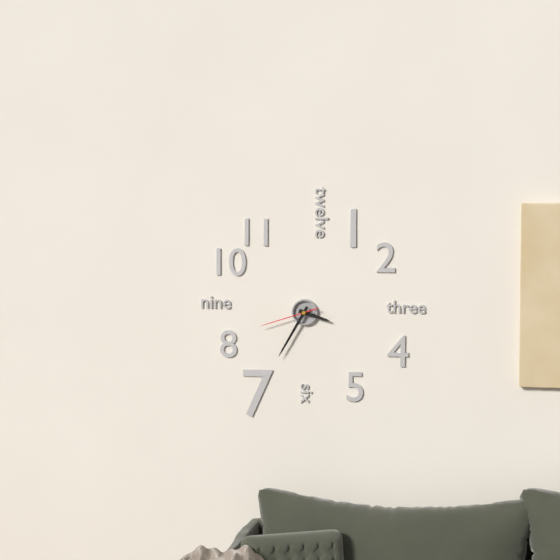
3:35:42
